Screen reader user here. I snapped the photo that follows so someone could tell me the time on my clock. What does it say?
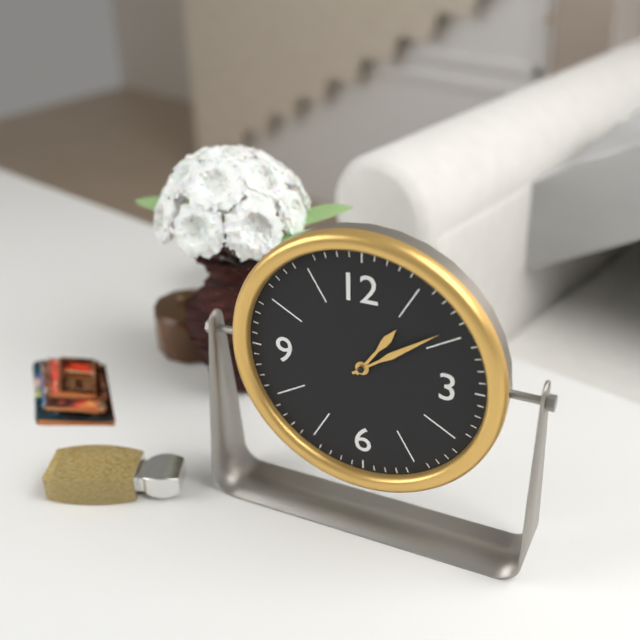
1:09
